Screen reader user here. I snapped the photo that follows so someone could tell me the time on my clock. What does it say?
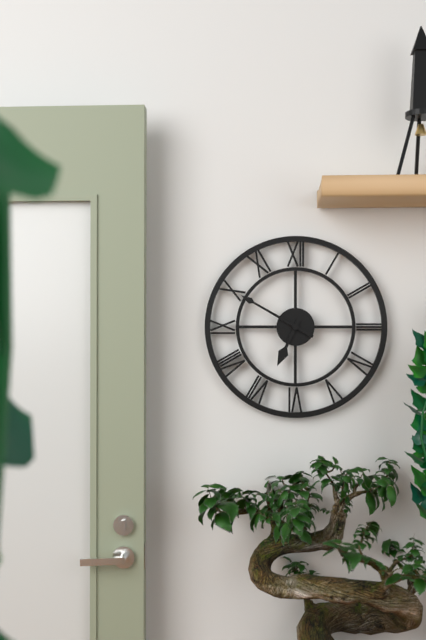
6:50
